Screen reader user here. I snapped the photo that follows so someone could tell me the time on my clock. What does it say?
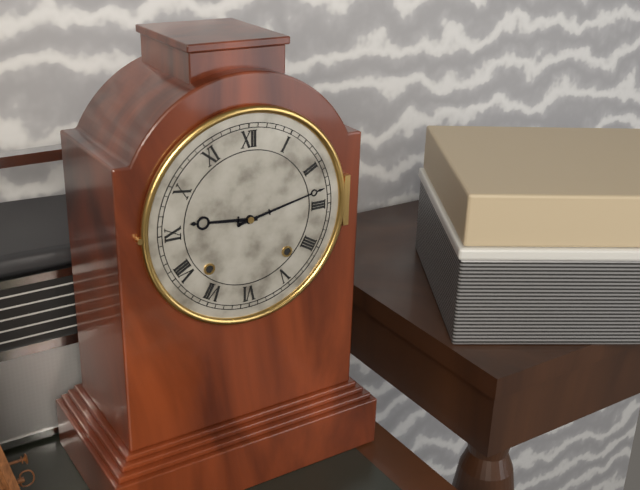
9:13
